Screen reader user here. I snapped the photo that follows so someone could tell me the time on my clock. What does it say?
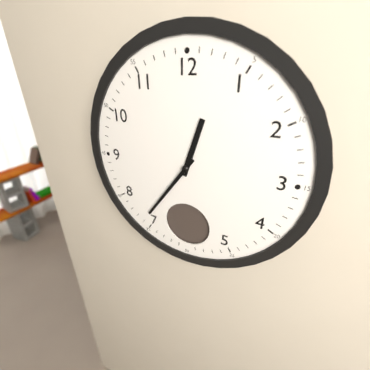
12:36
